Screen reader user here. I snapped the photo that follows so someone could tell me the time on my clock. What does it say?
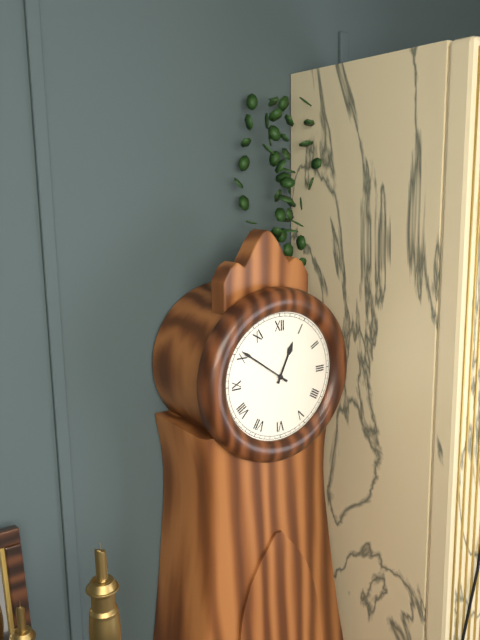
12:51
